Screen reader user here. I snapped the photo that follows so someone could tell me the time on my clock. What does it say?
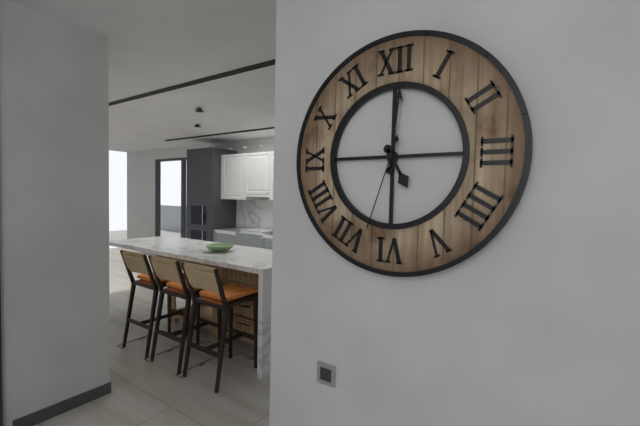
5:01:33
